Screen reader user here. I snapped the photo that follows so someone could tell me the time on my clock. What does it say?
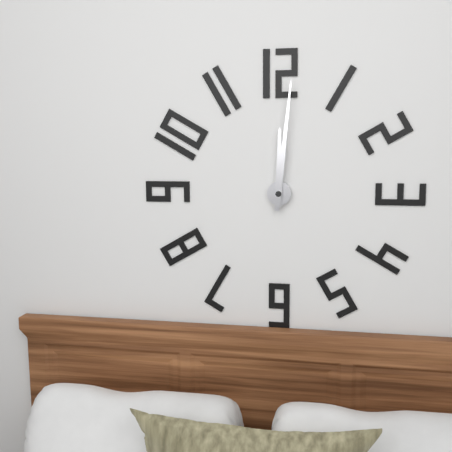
12:01
